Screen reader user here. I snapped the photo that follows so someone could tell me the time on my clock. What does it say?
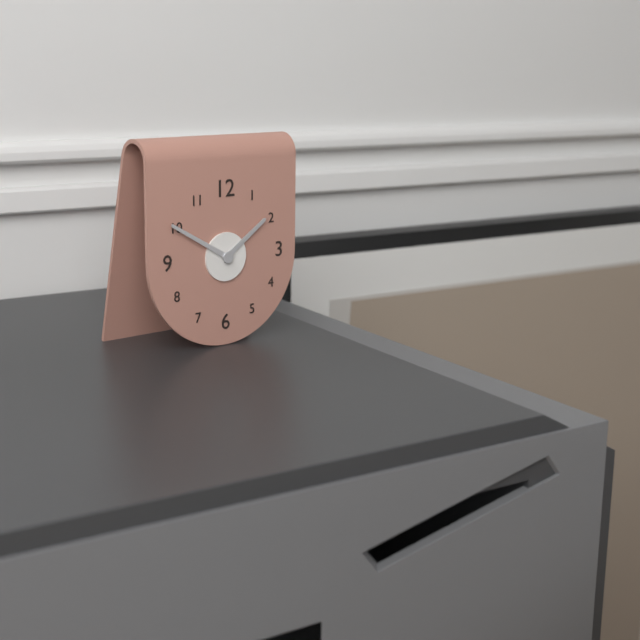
1:50
